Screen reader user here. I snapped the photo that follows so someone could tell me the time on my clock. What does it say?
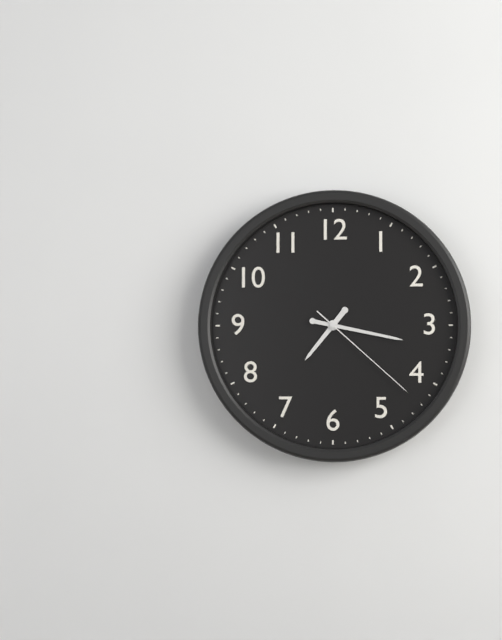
7:17:22
